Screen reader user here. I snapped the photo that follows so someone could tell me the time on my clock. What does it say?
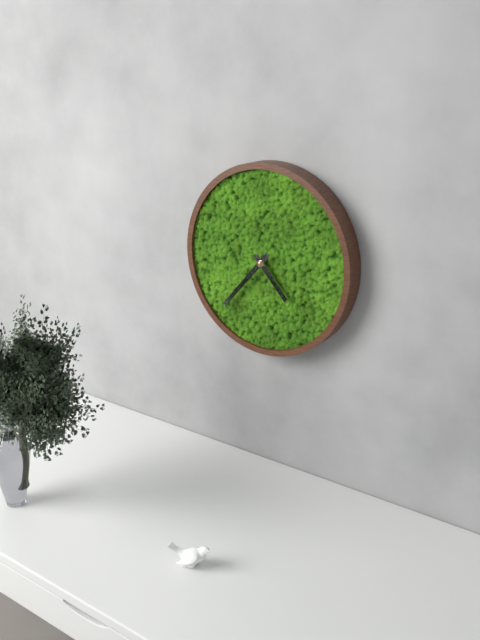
4:37
